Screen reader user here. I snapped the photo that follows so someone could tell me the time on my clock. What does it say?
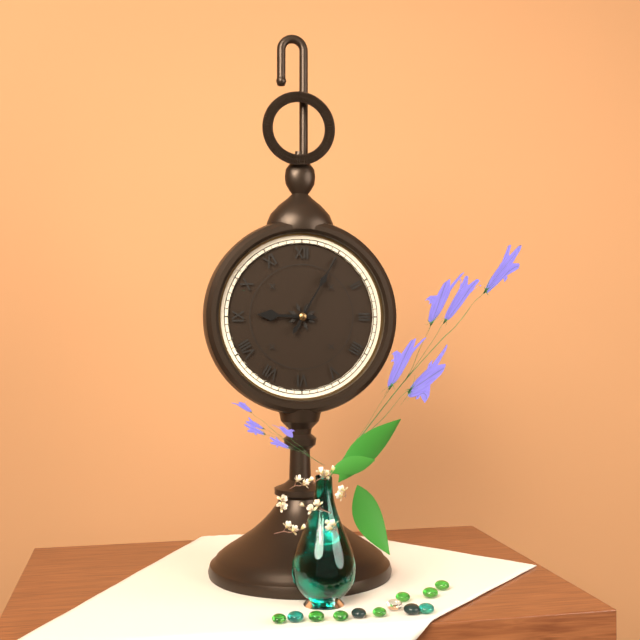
9:05
